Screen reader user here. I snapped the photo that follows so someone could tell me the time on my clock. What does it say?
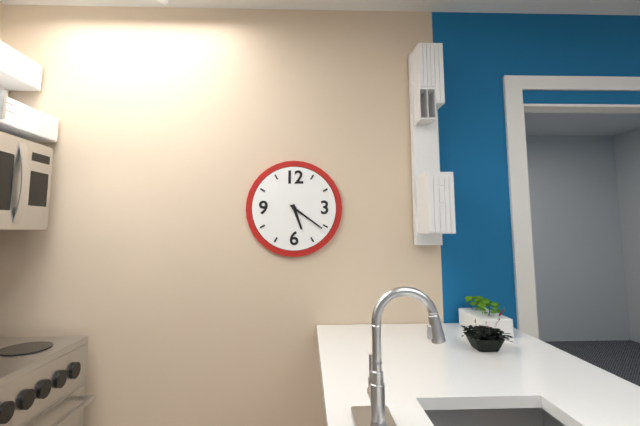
5:21
